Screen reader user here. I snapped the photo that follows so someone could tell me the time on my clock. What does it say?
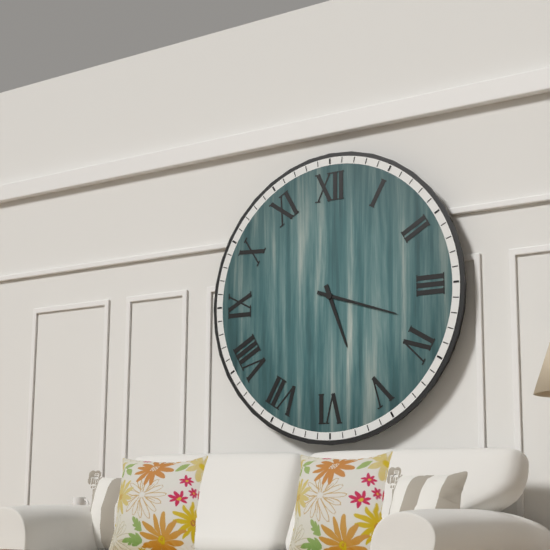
5:18
